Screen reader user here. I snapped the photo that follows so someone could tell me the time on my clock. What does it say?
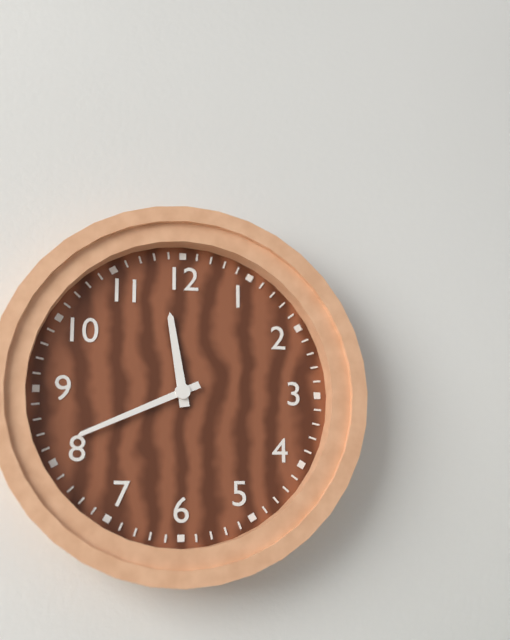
11:41
